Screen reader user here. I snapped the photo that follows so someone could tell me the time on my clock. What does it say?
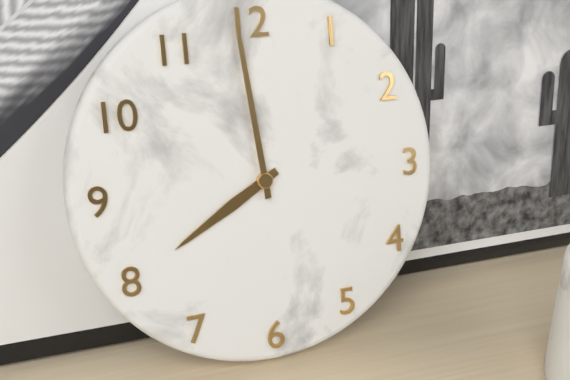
7:59
